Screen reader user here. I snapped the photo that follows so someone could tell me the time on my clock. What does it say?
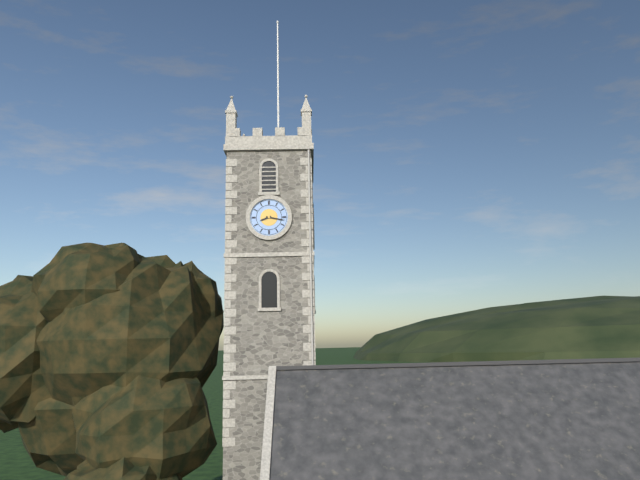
8:17
